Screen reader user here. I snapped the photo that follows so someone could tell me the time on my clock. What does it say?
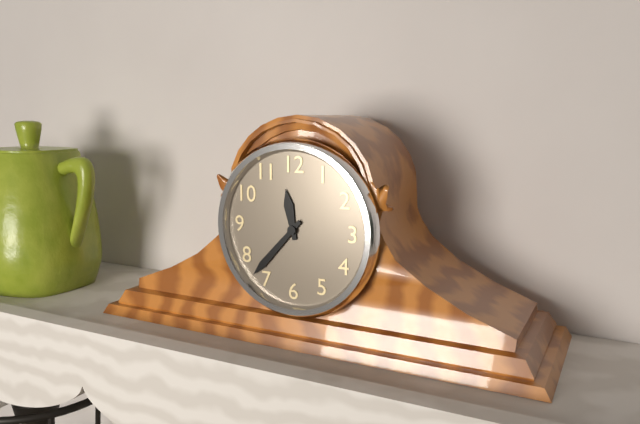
11:37
